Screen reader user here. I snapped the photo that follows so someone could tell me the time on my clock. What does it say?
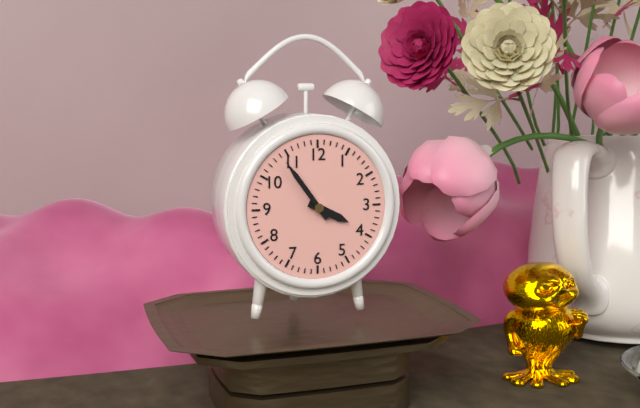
3:54
